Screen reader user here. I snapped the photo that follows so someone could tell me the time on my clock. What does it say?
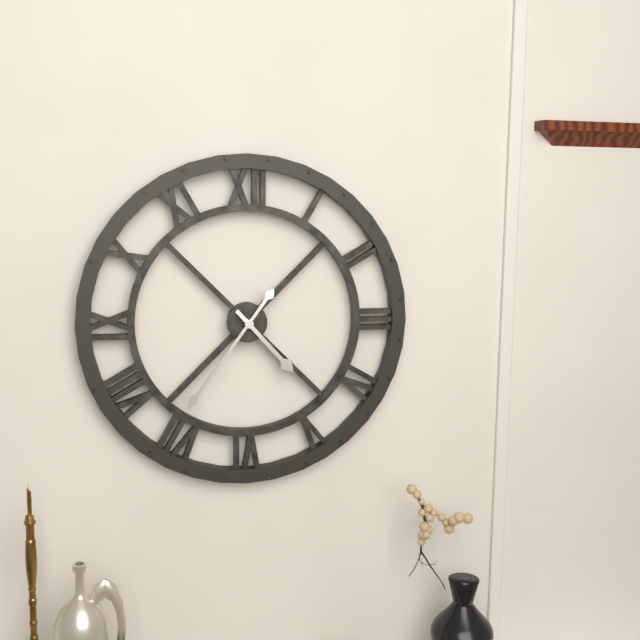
4:36
